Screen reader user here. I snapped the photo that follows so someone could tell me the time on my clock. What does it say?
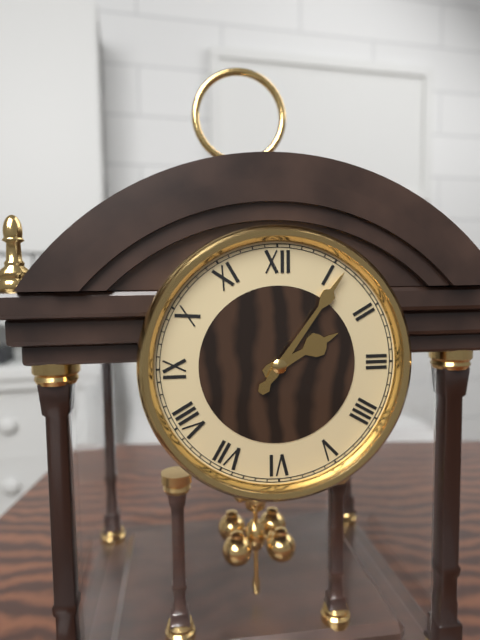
2:06
